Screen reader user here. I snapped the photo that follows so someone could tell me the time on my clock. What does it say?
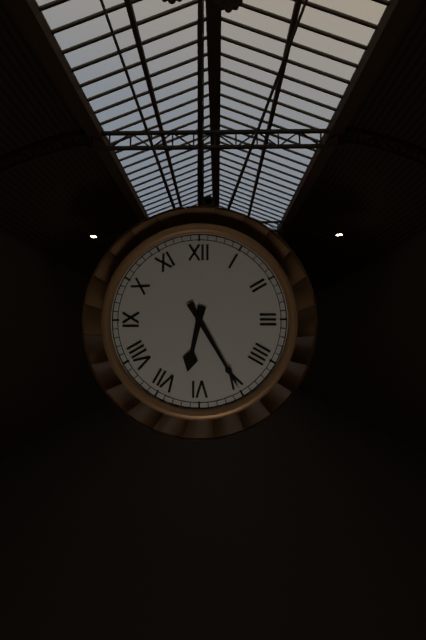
6:25
